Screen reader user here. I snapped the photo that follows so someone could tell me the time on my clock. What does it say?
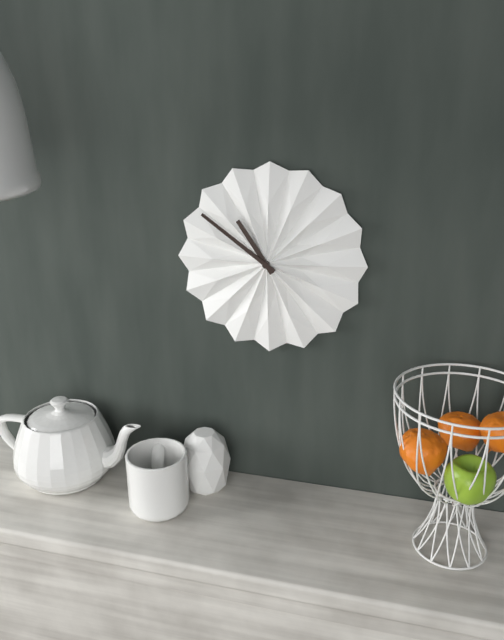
10:51
